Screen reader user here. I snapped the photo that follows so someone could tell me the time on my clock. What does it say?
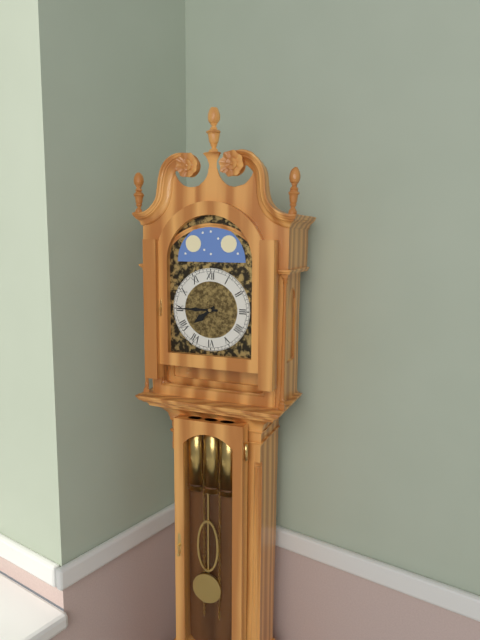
7:45
